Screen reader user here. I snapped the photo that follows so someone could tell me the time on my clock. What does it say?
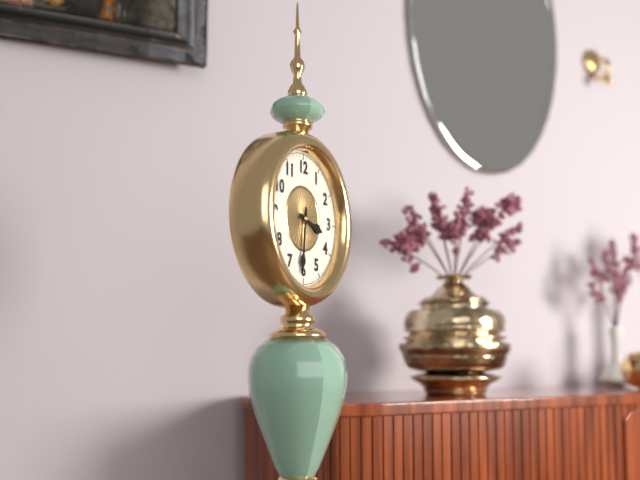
3:31
